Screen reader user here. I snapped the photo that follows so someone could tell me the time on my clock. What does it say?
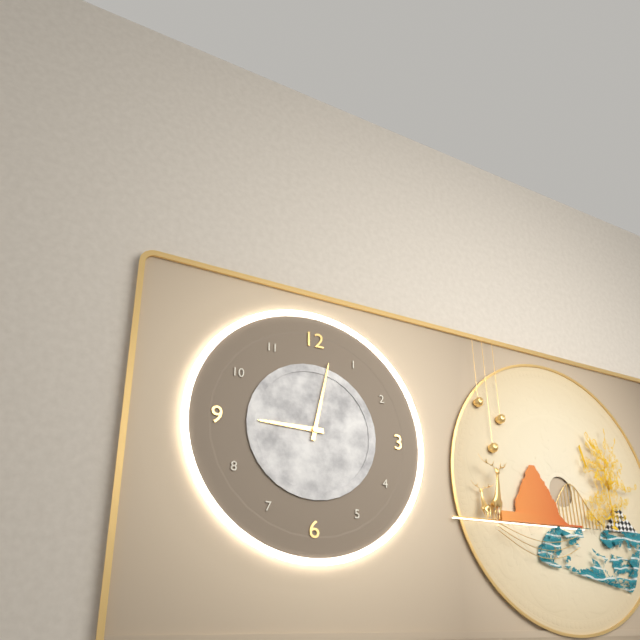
9:02
